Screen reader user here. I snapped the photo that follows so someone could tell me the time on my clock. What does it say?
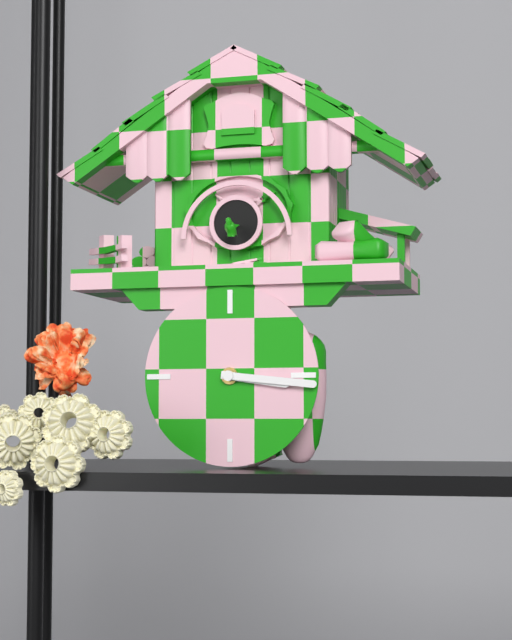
3:16
